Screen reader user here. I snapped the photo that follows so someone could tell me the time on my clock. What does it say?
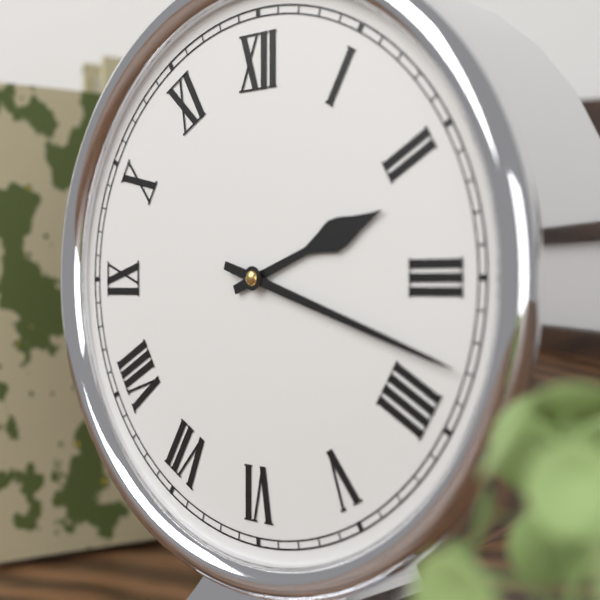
2:18
